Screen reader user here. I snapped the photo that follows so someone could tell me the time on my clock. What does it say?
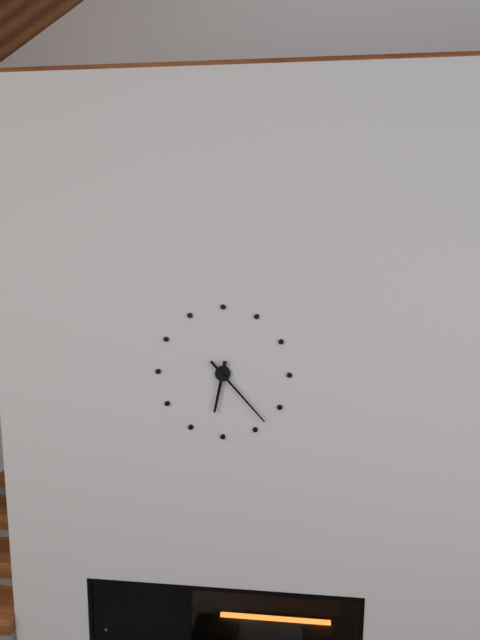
6:23
